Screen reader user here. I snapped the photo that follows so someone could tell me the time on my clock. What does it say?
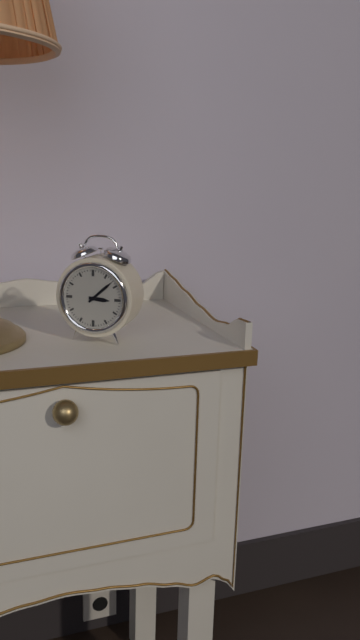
3:08
